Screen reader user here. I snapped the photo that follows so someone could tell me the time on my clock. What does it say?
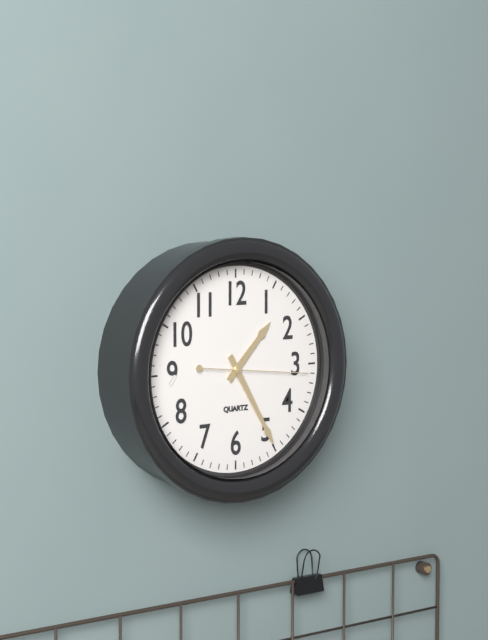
1:25:16
